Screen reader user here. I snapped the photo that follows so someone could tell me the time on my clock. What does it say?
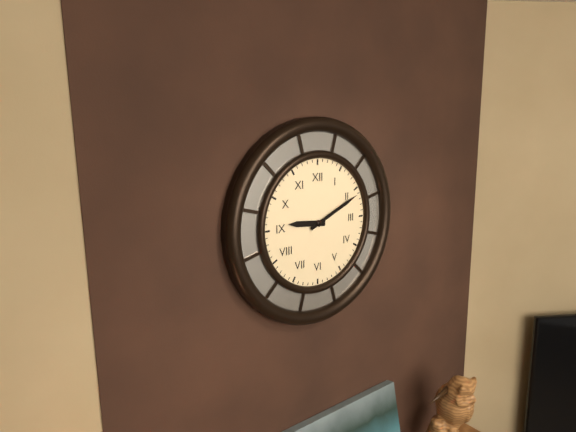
9:11
